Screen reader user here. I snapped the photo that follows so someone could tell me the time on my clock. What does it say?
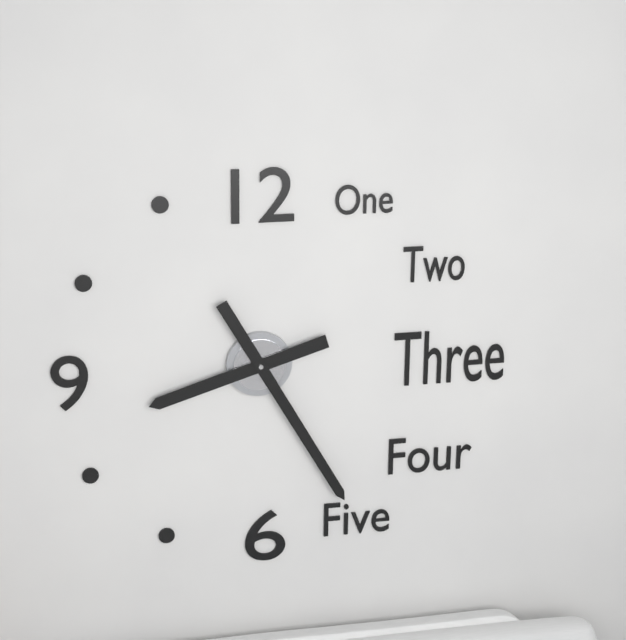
8:25
